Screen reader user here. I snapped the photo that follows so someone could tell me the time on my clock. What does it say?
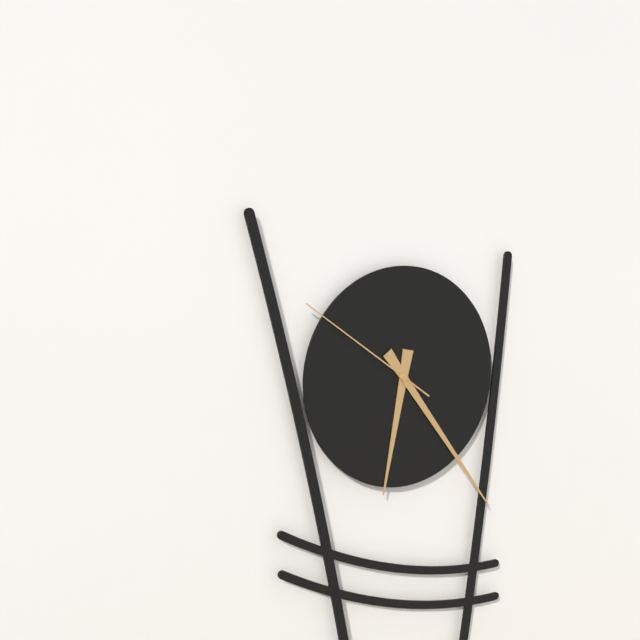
6:24:51
